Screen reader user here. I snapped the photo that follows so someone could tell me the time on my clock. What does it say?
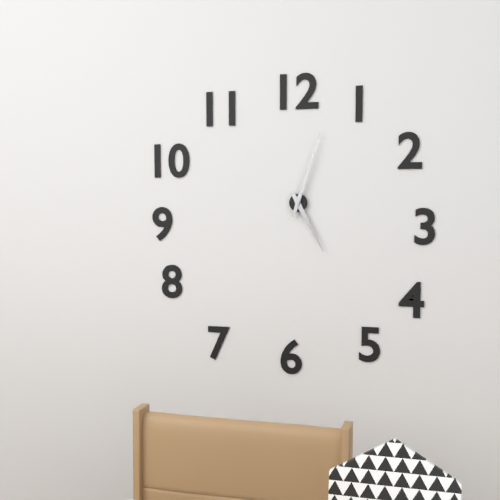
5:03
